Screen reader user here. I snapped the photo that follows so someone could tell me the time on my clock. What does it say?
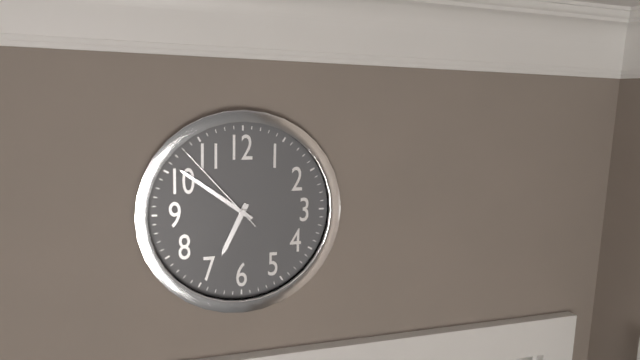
6:51:53
